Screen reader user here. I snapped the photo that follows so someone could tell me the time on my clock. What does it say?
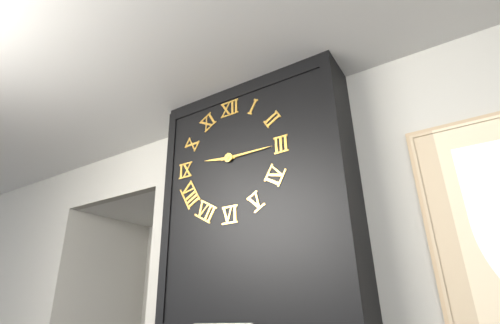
9:15
